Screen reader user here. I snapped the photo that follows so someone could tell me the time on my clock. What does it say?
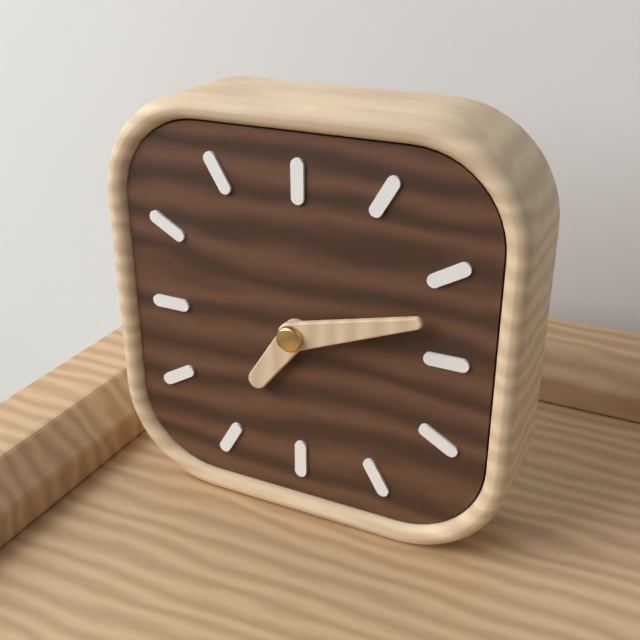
7:12
